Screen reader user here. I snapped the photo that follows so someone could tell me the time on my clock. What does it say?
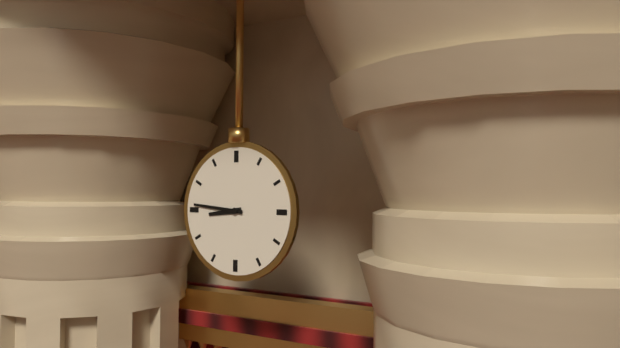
8:46
